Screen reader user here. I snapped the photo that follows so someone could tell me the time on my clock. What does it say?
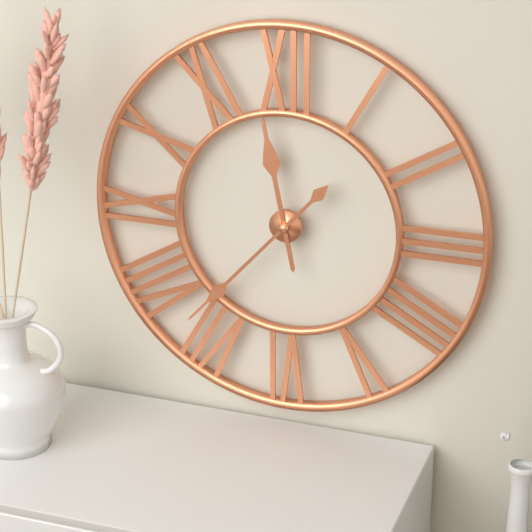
11:37
